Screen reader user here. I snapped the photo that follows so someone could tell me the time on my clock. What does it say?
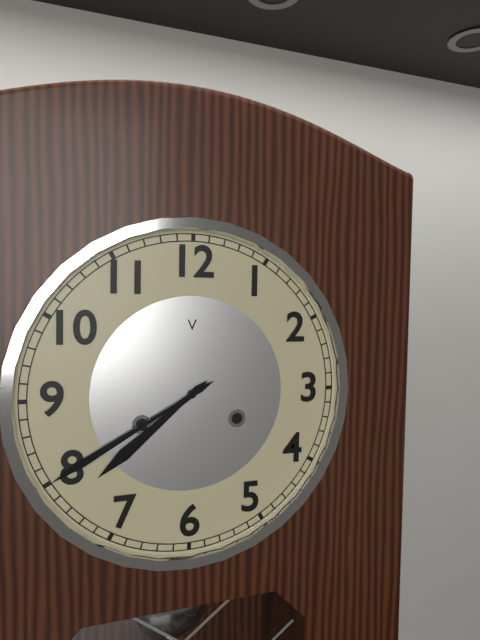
7:40
